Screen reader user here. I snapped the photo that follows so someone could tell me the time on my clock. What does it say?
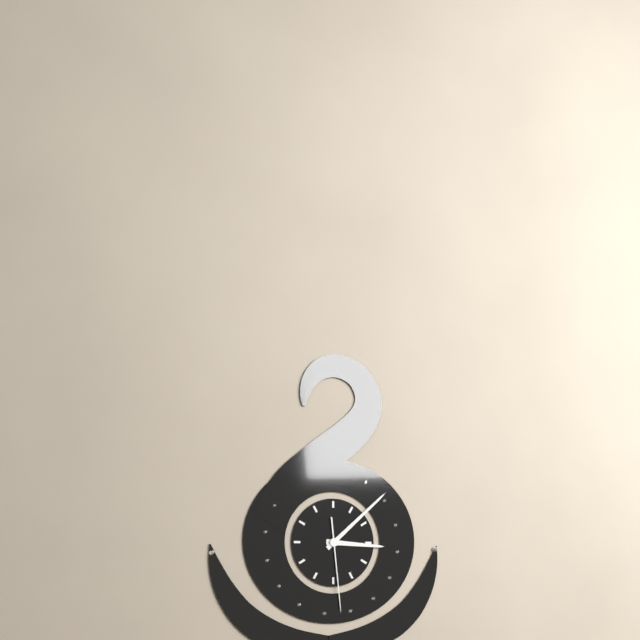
3:08:29
